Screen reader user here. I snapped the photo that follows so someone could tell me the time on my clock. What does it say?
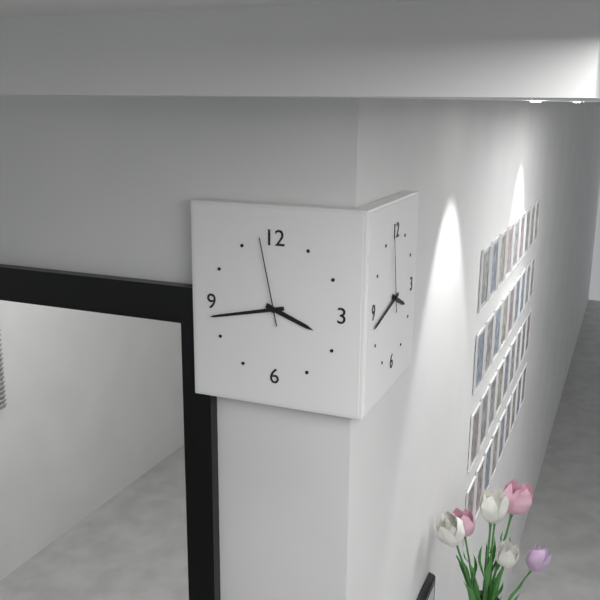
3:43:58
